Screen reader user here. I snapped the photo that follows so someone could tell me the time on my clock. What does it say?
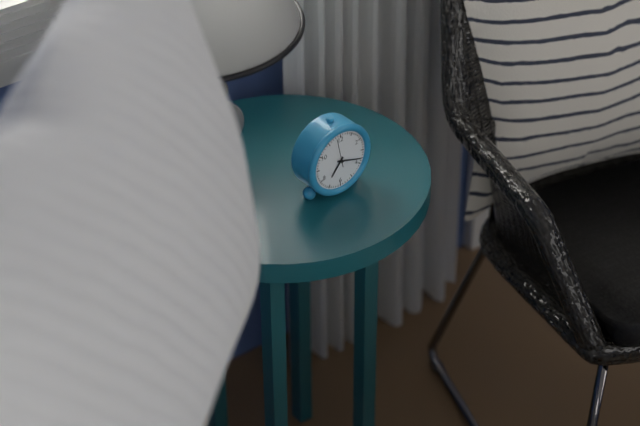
7:18
